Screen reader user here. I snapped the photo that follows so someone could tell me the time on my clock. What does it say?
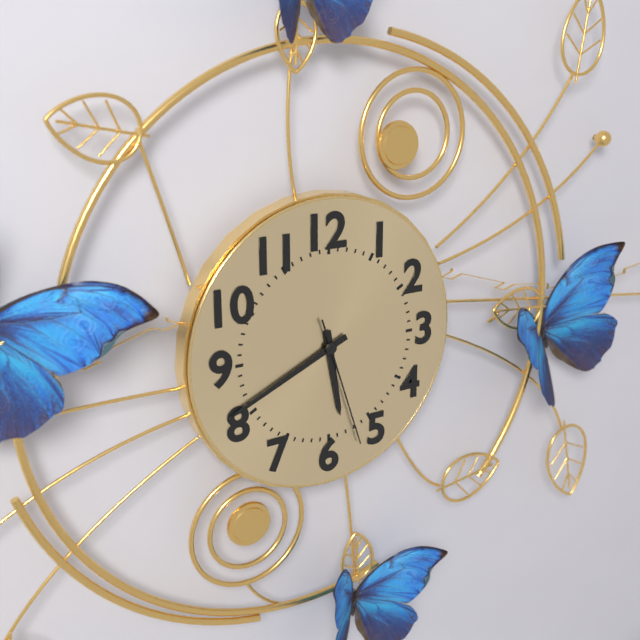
5:41:27
